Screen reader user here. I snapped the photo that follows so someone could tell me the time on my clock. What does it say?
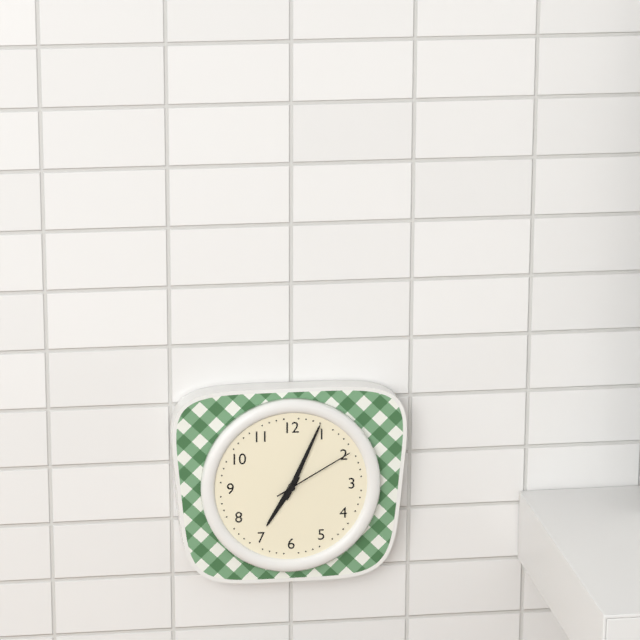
7:04:10
